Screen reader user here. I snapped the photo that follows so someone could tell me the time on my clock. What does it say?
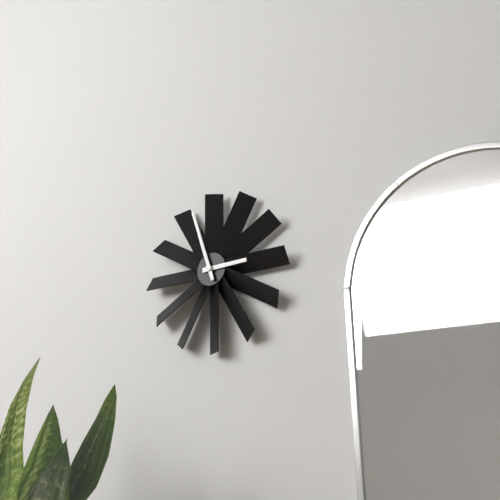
2:57
